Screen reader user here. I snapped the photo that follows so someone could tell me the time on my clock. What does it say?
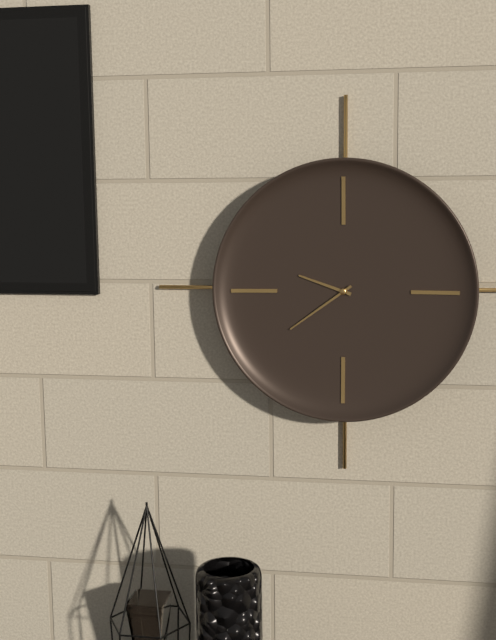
9:39
